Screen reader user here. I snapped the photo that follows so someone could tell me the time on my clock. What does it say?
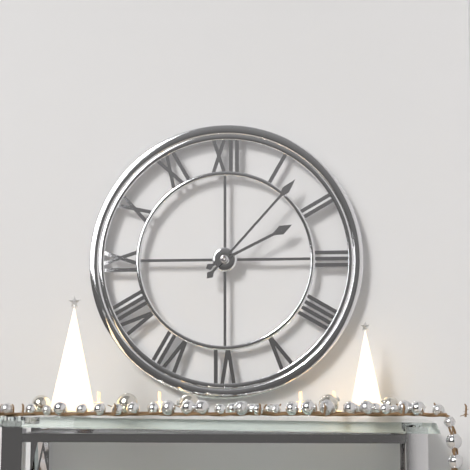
2:07
